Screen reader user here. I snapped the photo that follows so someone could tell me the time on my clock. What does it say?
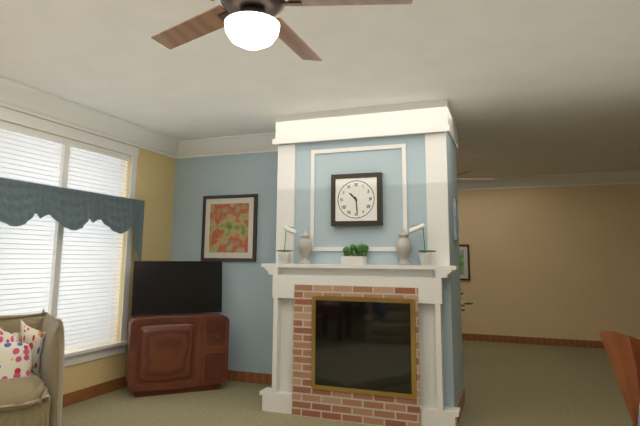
10:29
